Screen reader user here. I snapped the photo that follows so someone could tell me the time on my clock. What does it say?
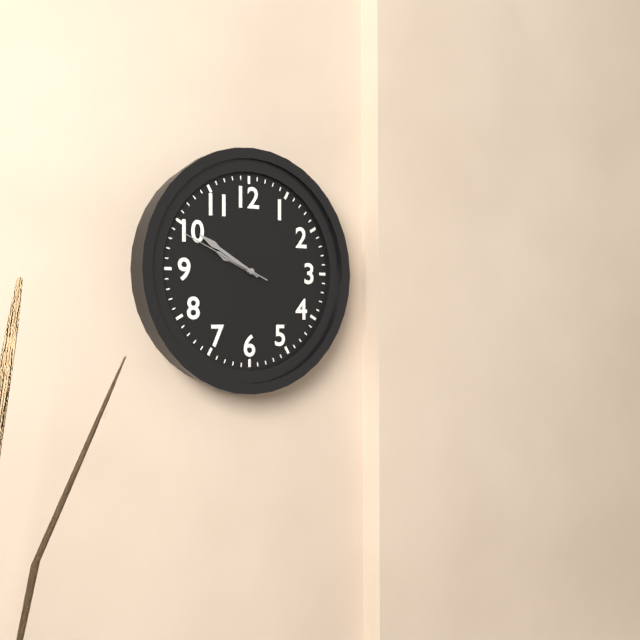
9:50:49
